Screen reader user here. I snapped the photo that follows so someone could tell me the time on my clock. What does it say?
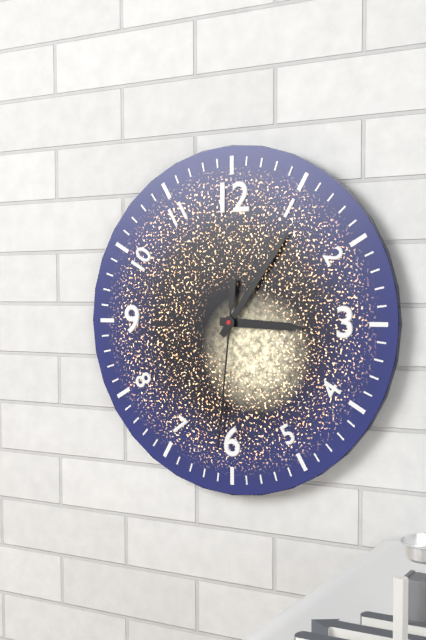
3:06:31
